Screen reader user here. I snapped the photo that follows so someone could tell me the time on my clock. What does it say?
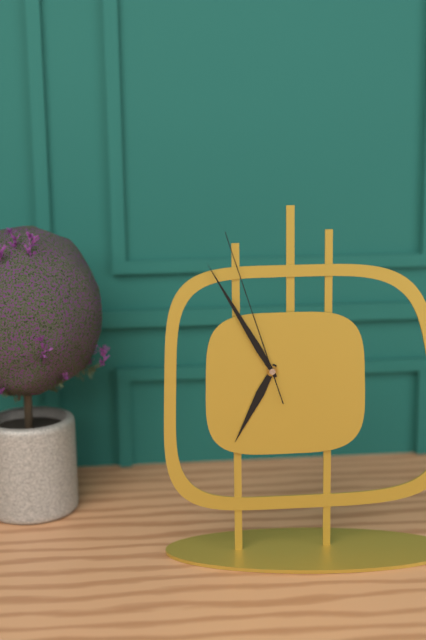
6:55:57
